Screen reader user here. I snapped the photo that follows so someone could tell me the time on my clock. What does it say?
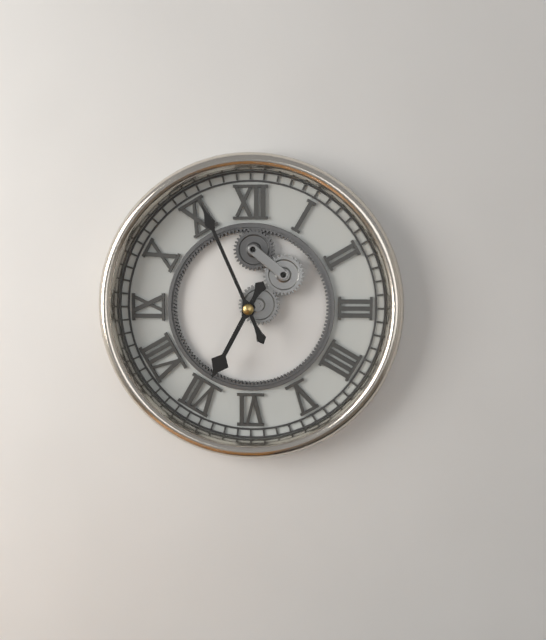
6:56
